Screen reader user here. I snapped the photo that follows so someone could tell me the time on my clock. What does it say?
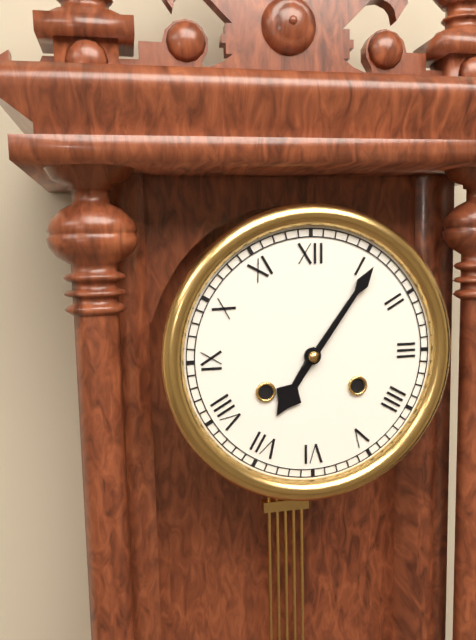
7:06
